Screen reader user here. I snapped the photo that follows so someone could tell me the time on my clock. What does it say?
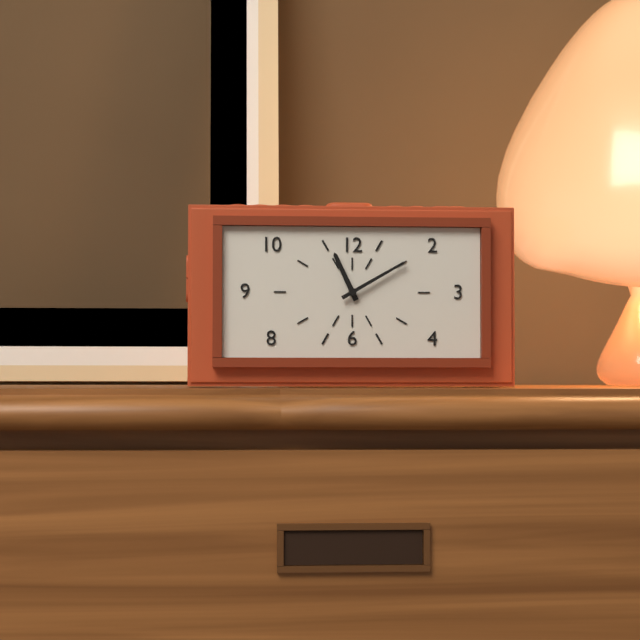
11:10
